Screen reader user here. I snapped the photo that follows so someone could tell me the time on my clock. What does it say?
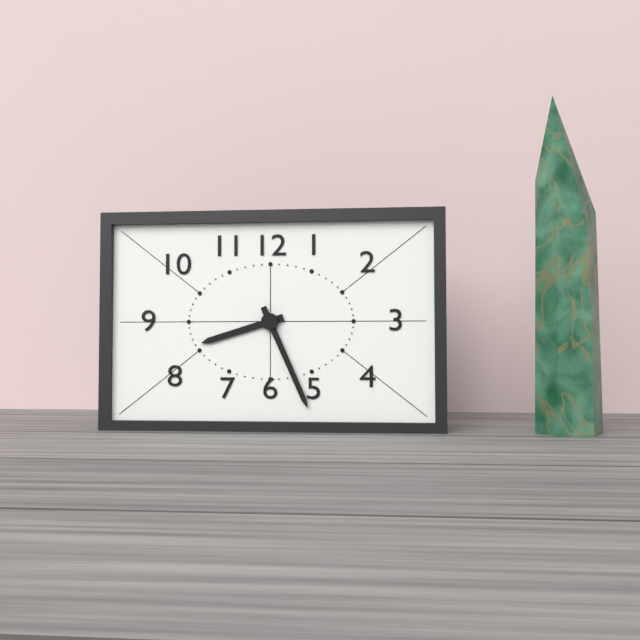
8:26
